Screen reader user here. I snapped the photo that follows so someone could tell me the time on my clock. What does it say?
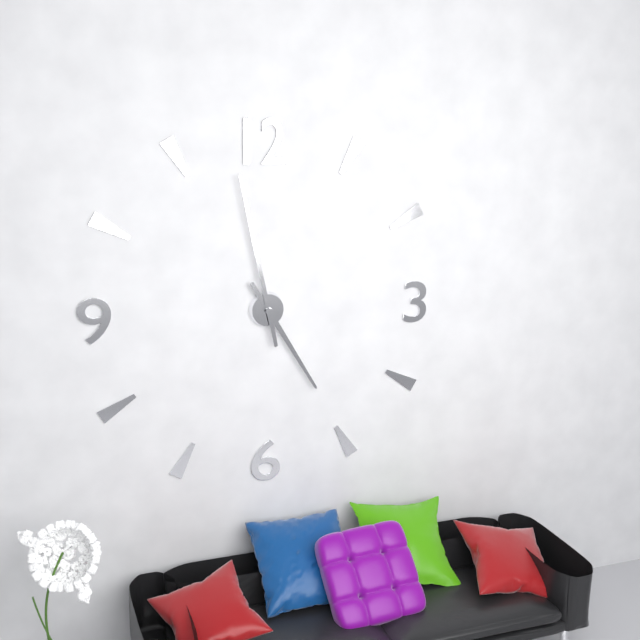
4:58
